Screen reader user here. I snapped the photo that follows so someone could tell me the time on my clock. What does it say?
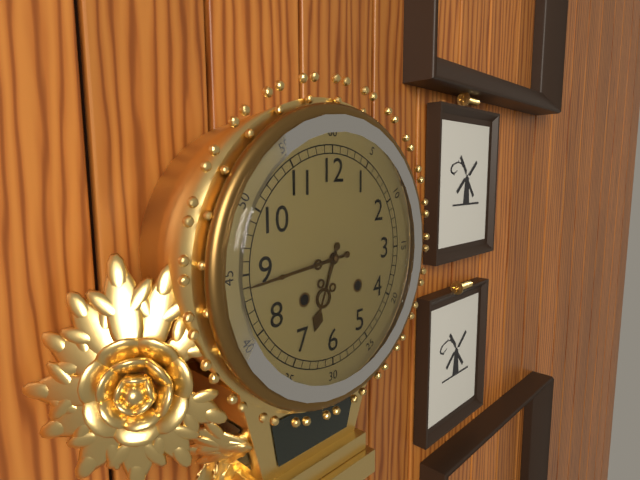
6:44
